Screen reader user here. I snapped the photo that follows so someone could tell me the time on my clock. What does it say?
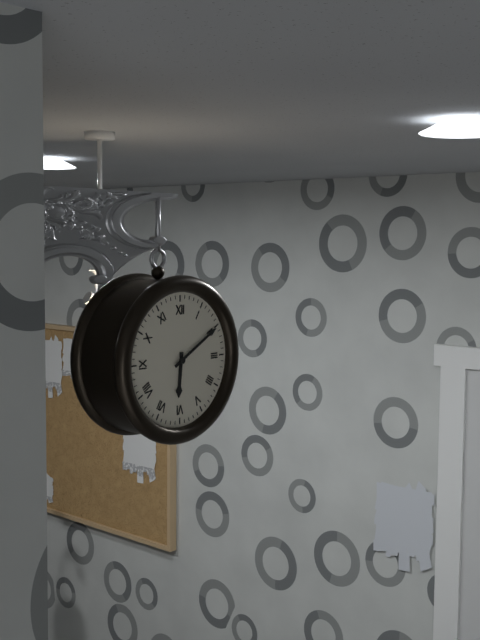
6:10
